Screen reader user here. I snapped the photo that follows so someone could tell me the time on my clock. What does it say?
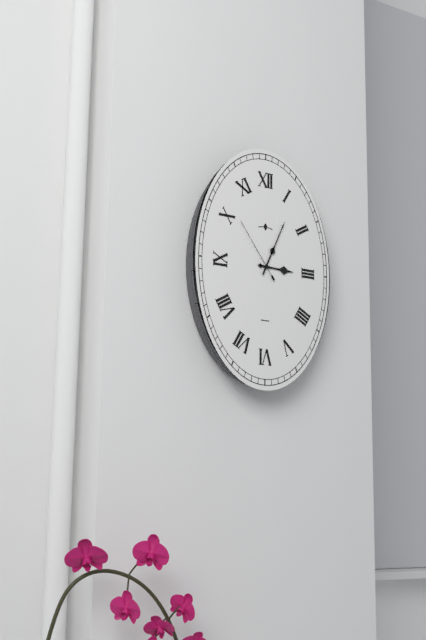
3:04:54
